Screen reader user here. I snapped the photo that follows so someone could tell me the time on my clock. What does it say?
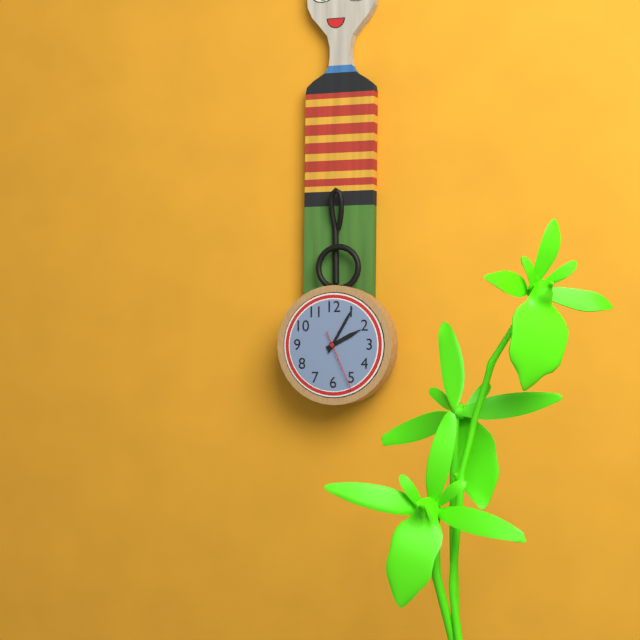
2:05:26
